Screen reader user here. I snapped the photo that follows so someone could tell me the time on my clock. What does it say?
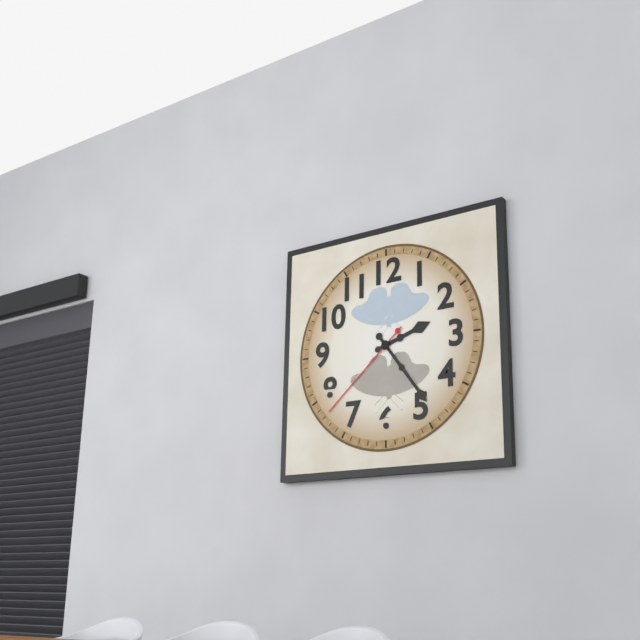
2:24:38
